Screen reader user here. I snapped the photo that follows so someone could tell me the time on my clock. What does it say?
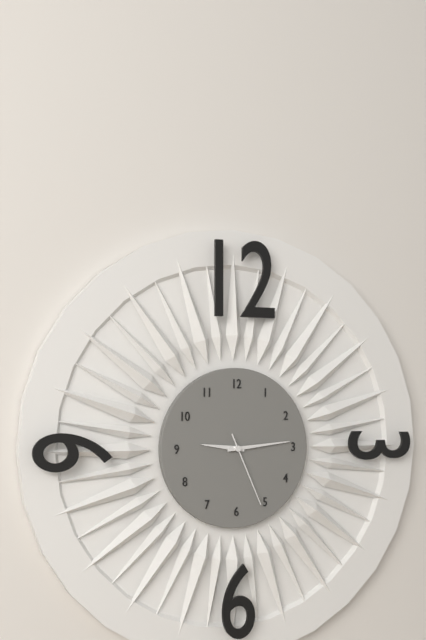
9:14:26
